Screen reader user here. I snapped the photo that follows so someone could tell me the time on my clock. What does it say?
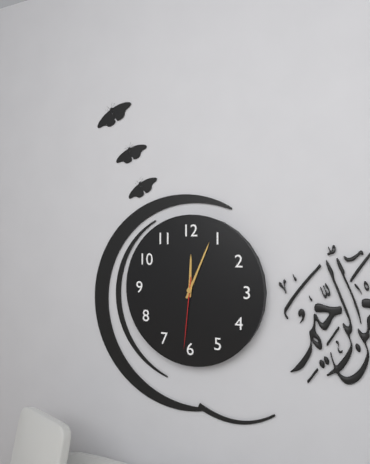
12:04:31
